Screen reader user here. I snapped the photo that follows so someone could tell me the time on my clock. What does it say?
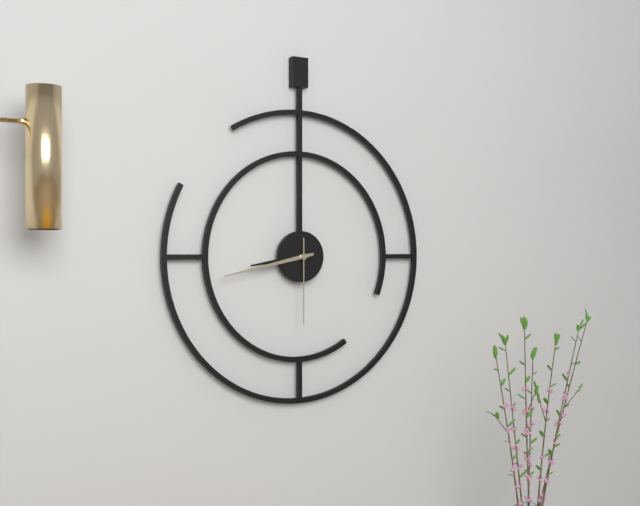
8:43:30
